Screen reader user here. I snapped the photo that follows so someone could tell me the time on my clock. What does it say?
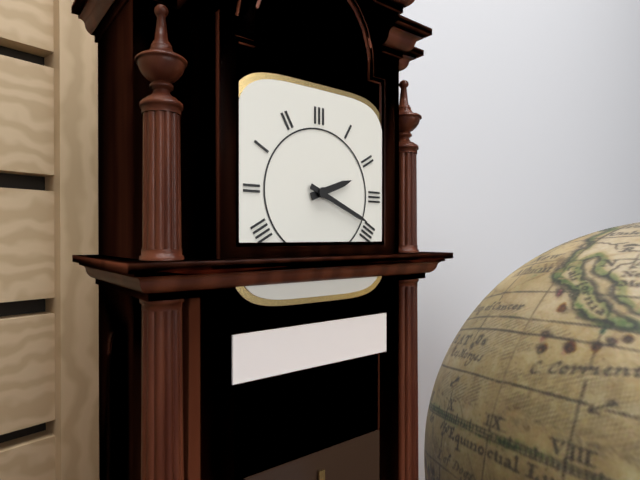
2:19
